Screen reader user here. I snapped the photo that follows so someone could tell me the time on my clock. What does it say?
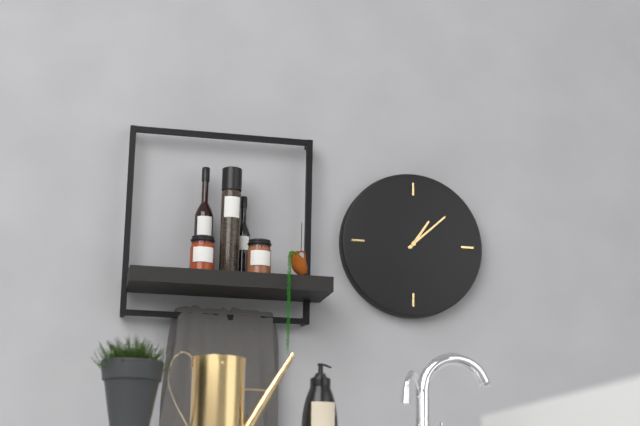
1:08
